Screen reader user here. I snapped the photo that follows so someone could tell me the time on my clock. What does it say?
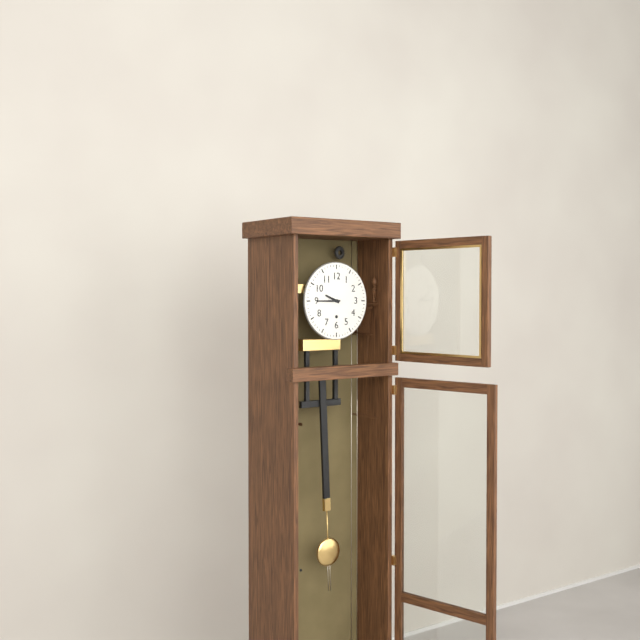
9:45
